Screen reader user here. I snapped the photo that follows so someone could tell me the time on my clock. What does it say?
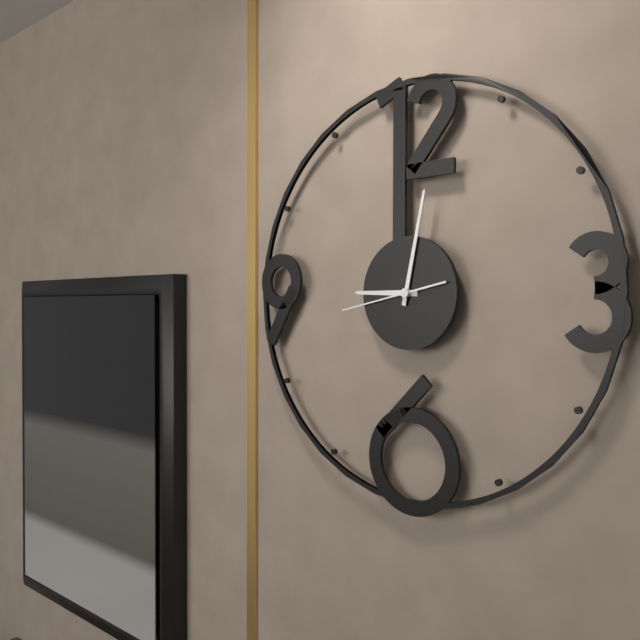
9:02:43
